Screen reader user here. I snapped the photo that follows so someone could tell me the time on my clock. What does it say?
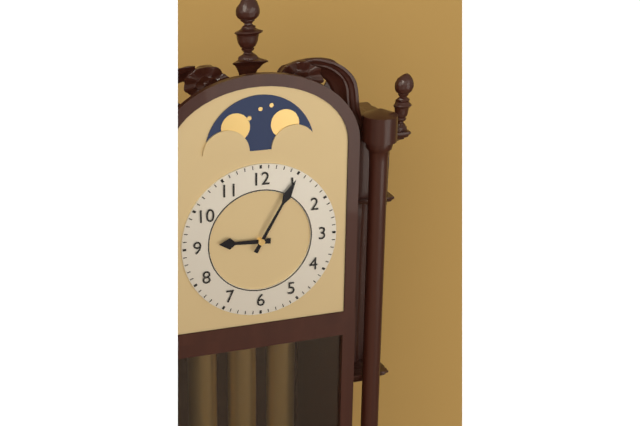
9:05
